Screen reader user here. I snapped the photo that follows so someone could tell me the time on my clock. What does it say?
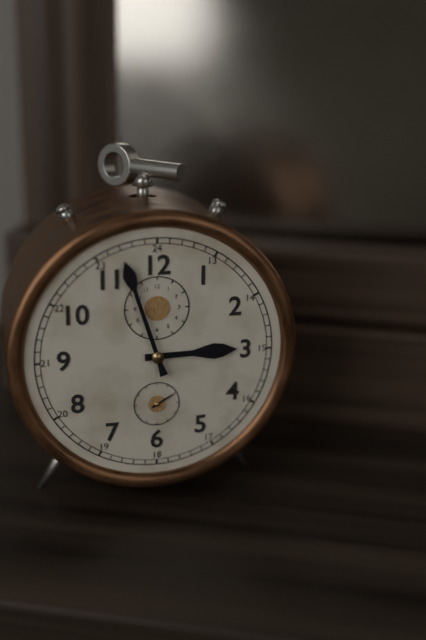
2:57
